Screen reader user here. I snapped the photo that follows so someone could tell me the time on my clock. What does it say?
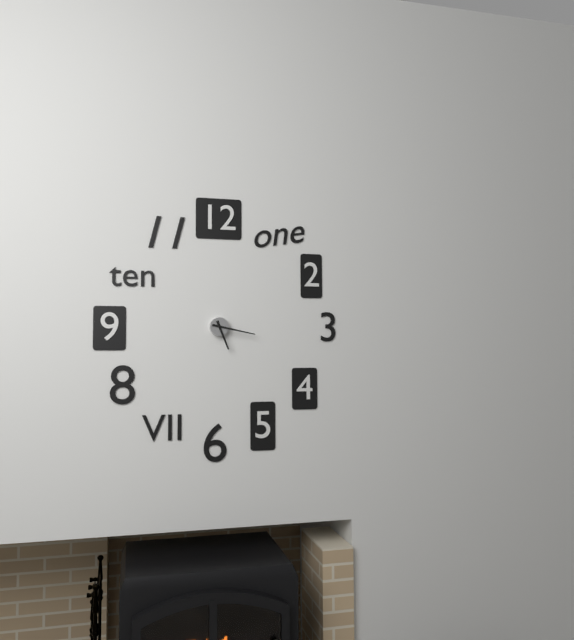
5:17
